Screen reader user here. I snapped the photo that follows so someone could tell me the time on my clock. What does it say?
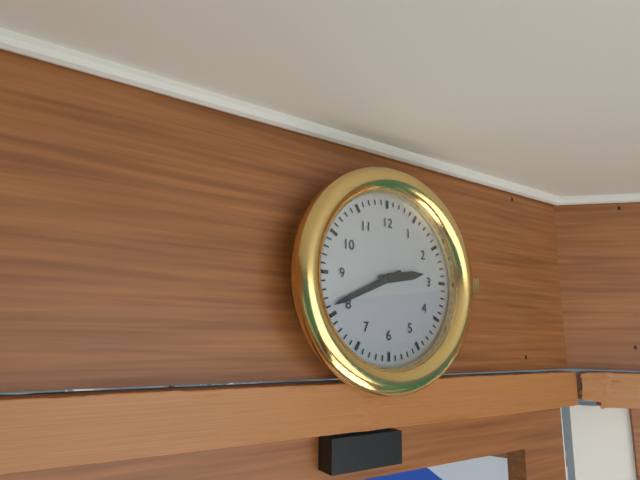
2:41
